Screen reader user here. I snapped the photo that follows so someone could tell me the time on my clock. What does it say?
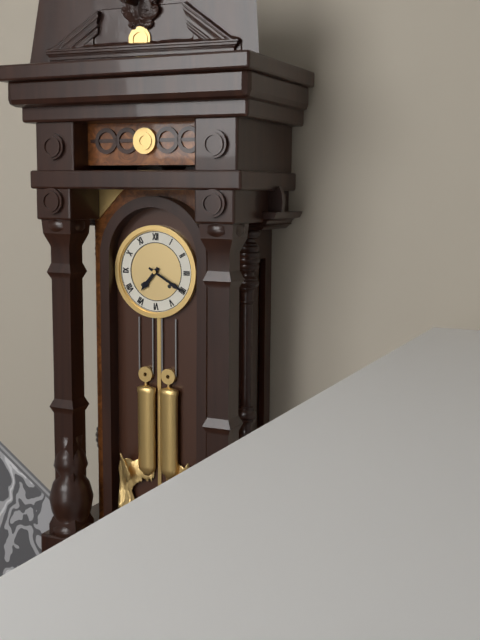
7:20
